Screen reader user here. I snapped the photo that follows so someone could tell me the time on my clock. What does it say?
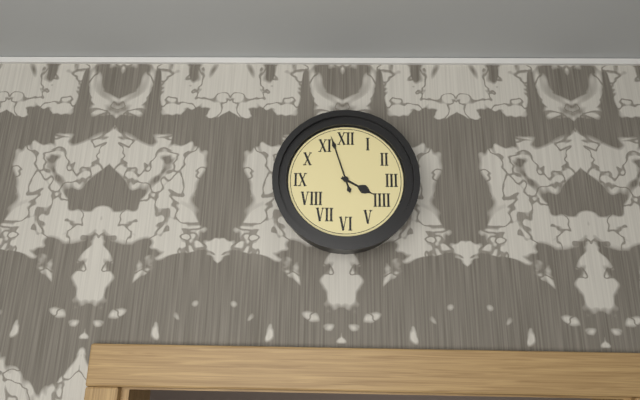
3:57
